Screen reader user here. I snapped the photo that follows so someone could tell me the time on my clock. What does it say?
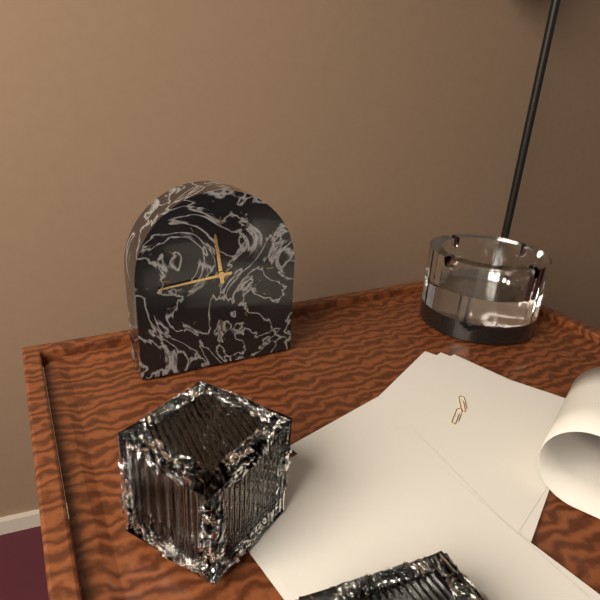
11:44
